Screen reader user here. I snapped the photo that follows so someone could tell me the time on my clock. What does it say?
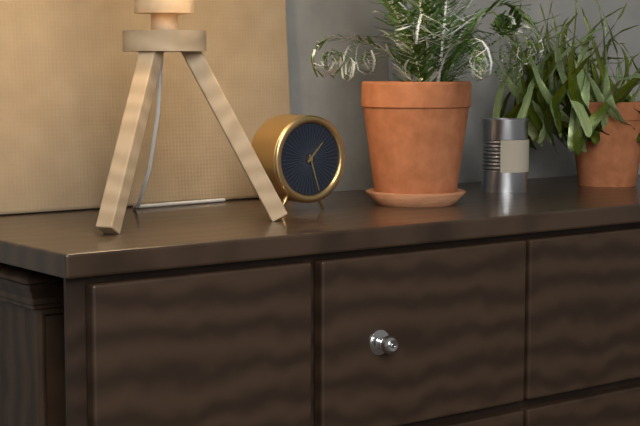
1:27
